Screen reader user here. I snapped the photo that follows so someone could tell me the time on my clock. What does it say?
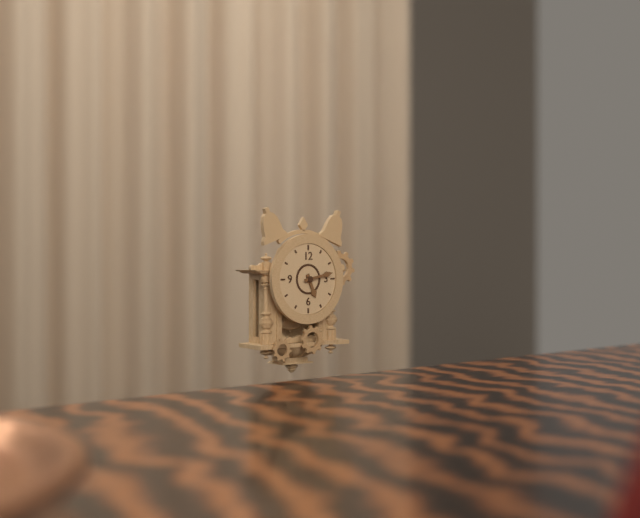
5:13
